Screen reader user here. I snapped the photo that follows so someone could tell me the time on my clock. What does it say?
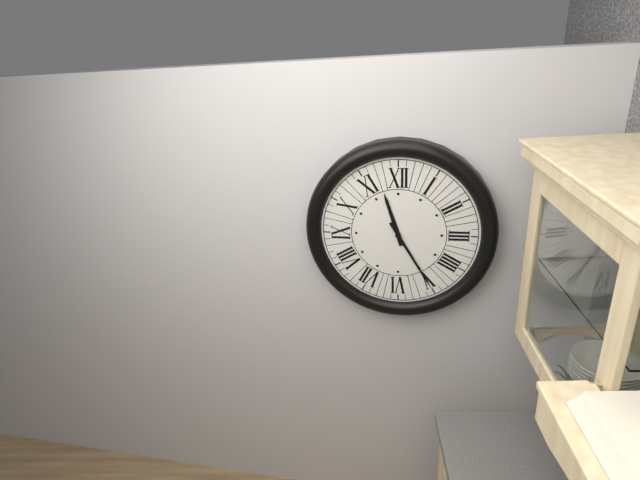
11:25
